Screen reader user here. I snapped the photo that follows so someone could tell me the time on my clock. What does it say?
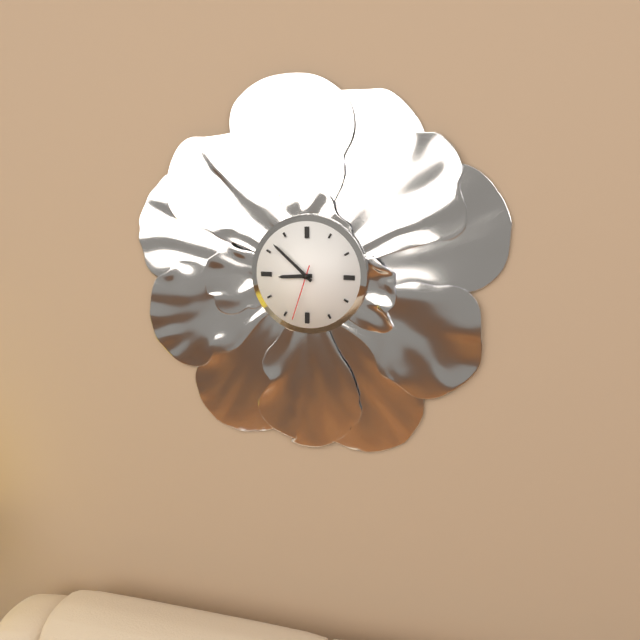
8:52:33
